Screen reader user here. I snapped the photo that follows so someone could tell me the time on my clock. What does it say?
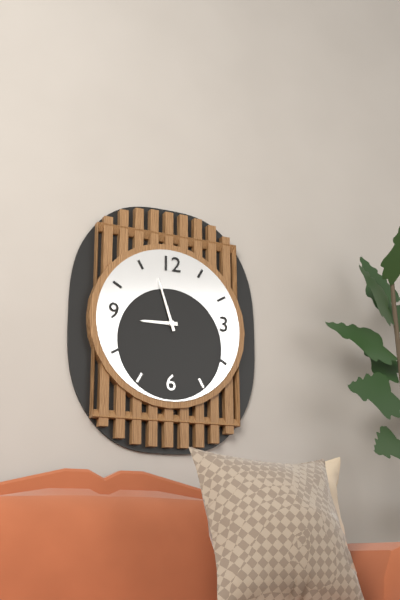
8:57
